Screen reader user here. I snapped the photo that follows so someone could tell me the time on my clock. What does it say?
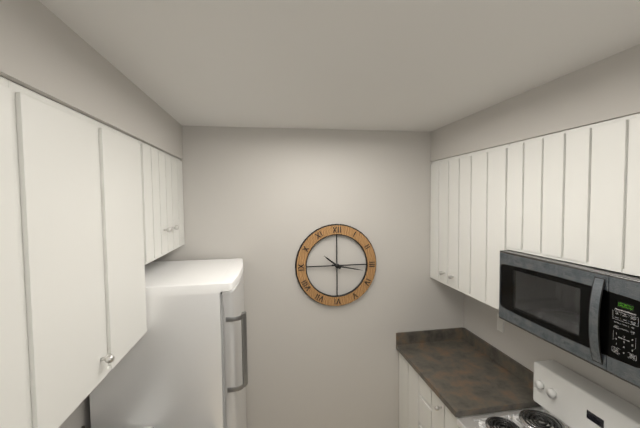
10:17
